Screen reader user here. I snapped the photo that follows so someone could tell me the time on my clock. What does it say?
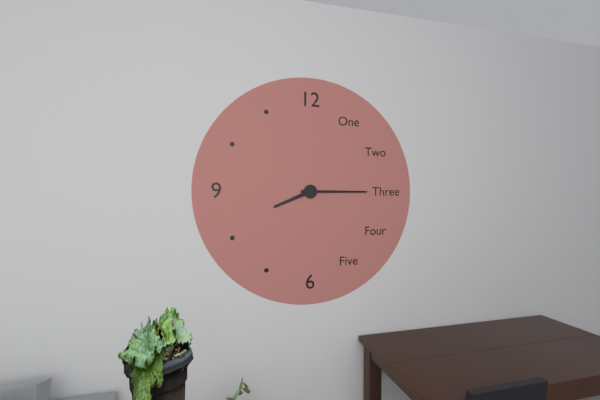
8:15
